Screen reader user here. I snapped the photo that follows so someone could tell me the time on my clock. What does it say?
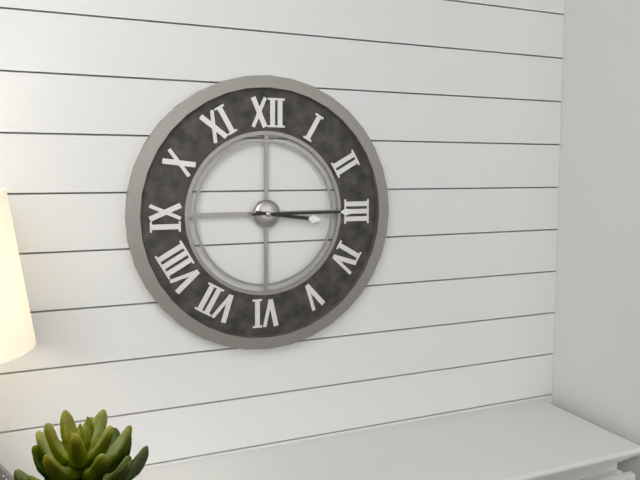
3:15
